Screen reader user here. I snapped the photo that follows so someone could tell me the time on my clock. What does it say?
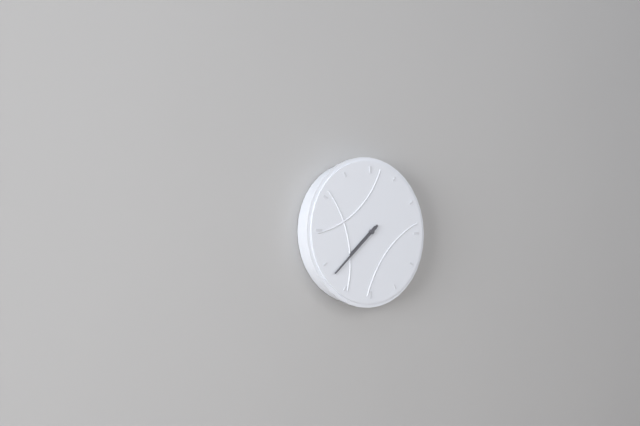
7:38
